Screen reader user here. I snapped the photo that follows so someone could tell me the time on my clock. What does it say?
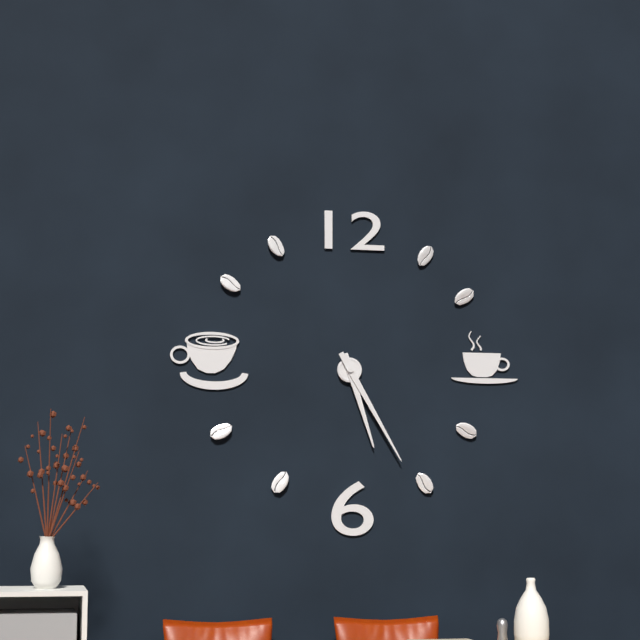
5:25
